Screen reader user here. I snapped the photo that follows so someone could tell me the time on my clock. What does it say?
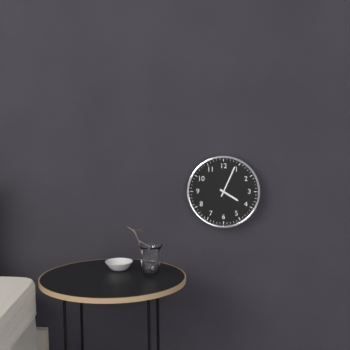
4:04
